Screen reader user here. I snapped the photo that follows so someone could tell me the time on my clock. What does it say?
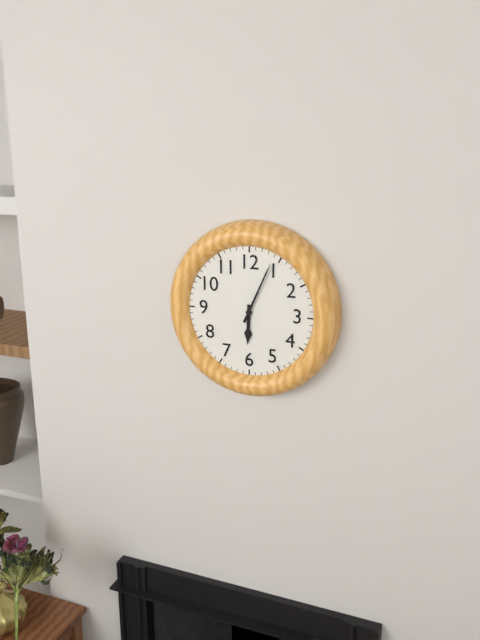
6:04
